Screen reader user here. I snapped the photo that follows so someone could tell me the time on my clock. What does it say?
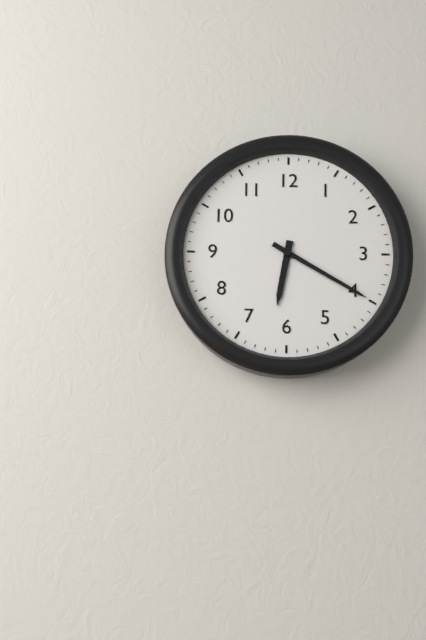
6:20
